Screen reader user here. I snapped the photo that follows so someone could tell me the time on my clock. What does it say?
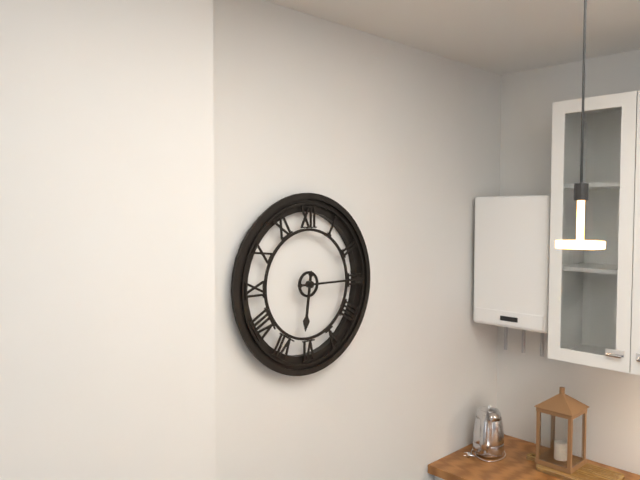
6:15
